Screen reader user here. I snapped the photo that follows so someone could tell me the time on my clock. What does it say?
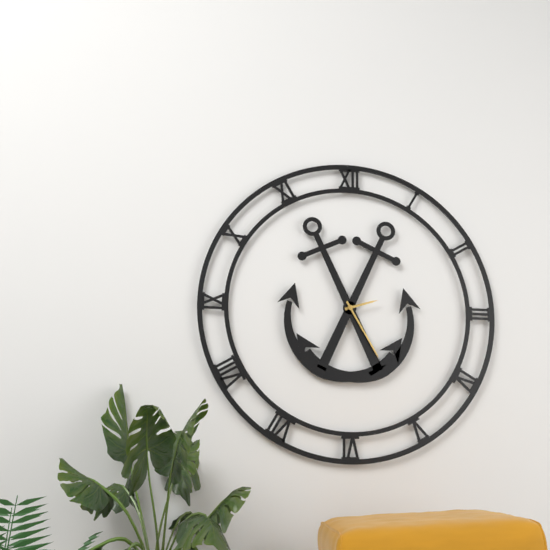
2:25
